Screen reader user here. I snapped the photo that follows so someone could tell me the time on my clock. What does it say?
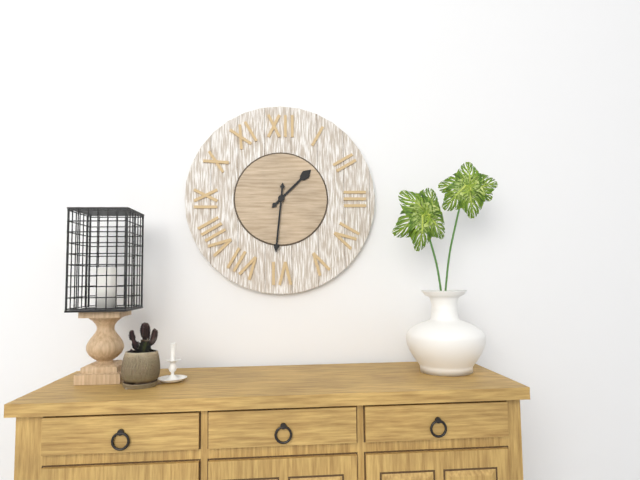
1:31
